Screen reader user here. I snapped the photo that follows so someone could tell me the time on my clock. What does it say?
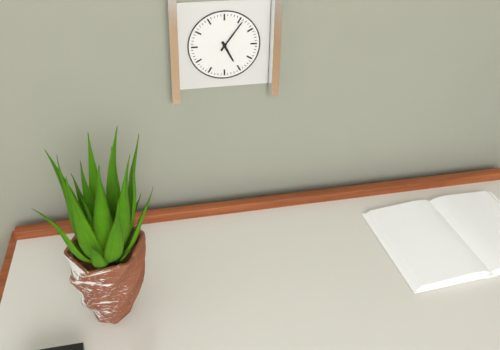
5:06
